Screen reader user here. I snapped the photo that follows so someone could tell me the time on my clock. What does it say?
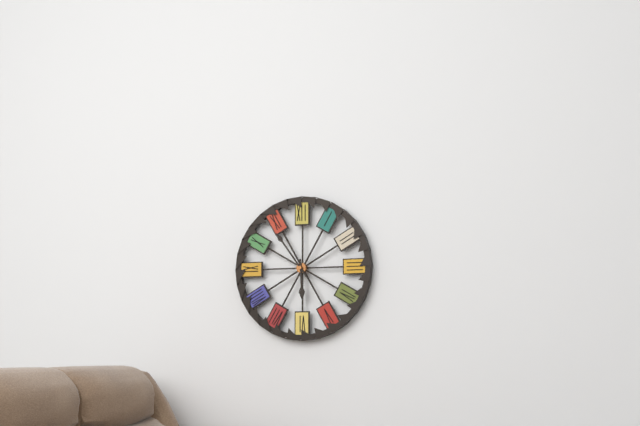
5:54
